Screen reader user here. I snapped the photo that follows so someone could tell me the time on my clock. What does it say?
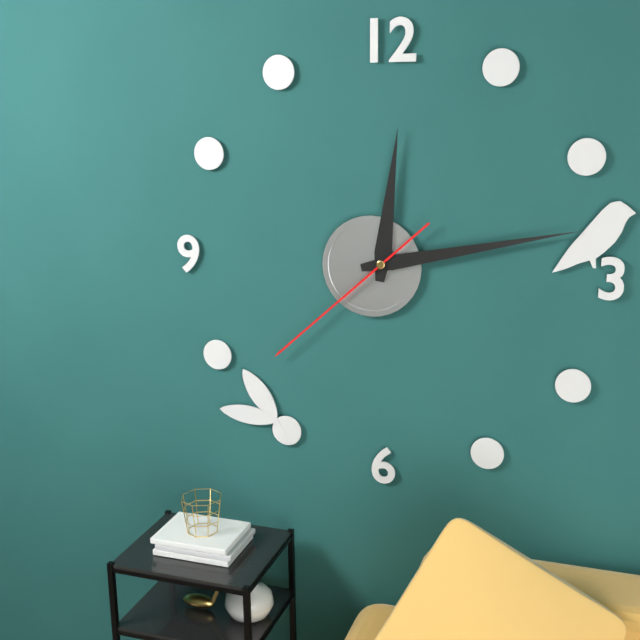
12:13:38
